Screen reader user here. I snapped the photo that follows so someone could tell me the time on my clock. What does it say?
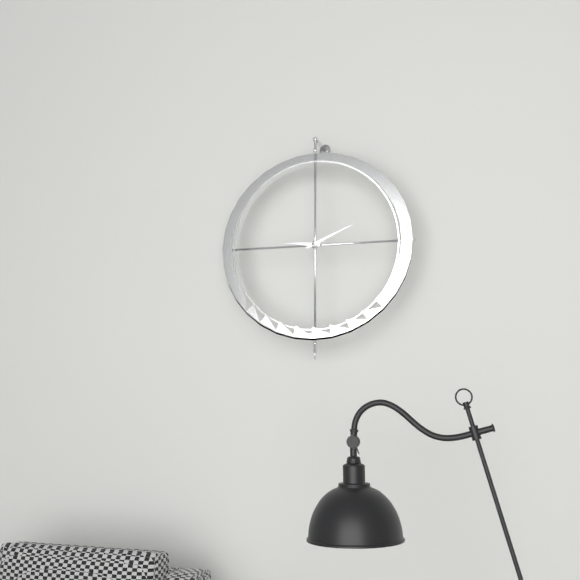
9:11
